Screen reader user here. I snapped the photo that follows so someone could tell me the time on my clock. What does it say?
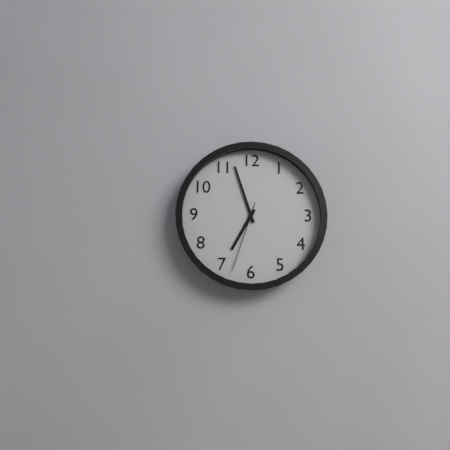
6:57:33
